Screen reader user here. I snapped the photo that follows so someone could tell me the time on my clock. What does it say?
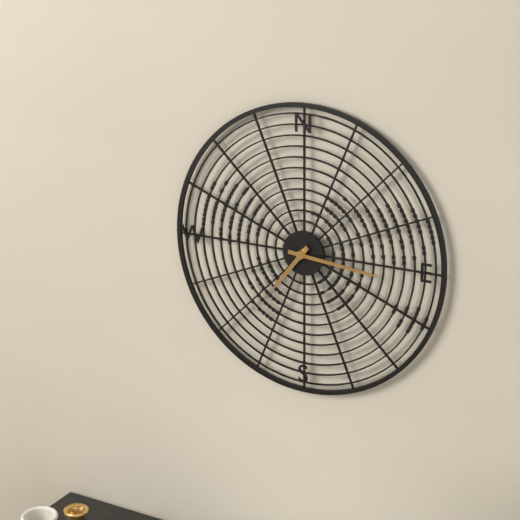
7:16
